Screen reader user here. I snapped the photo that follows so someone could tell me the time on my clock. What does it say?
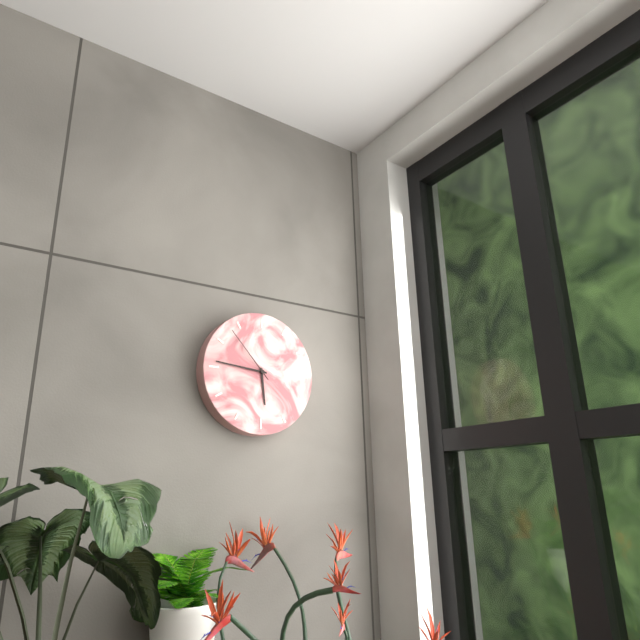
5:46:53
